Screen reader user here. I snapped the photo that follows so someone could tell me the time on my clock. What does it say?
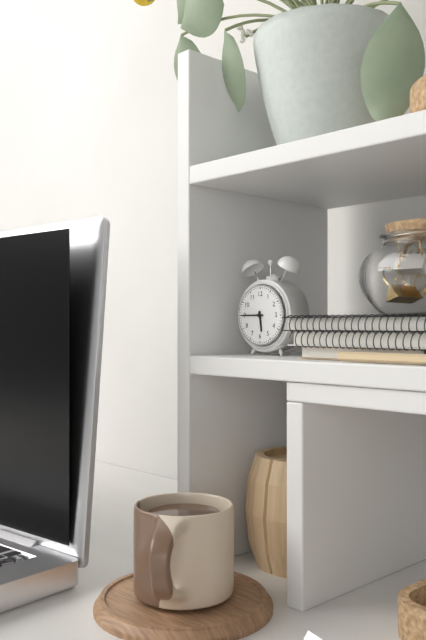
5:45
